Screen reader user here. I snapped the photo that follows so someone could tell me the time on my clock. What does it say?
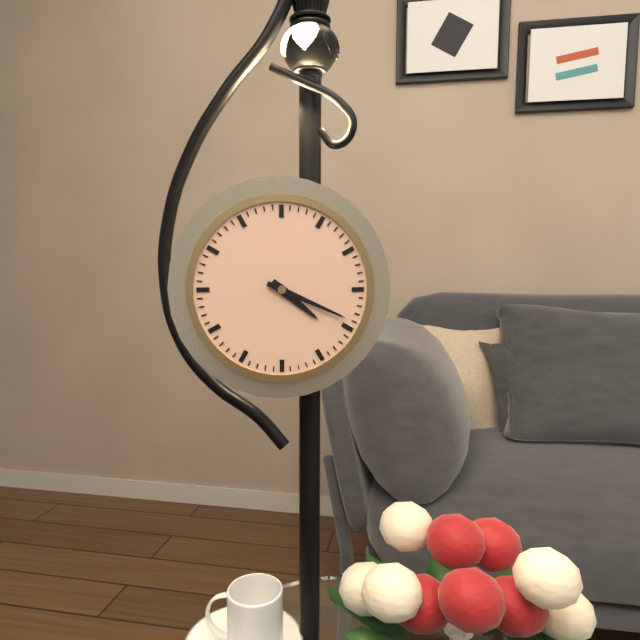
4:19
